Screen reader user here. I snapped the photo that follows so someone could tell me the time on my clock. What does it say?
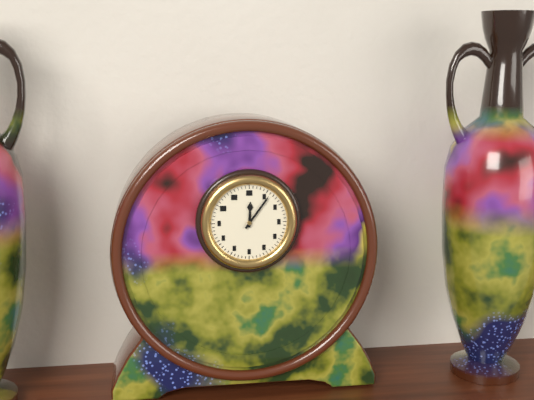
12:06
